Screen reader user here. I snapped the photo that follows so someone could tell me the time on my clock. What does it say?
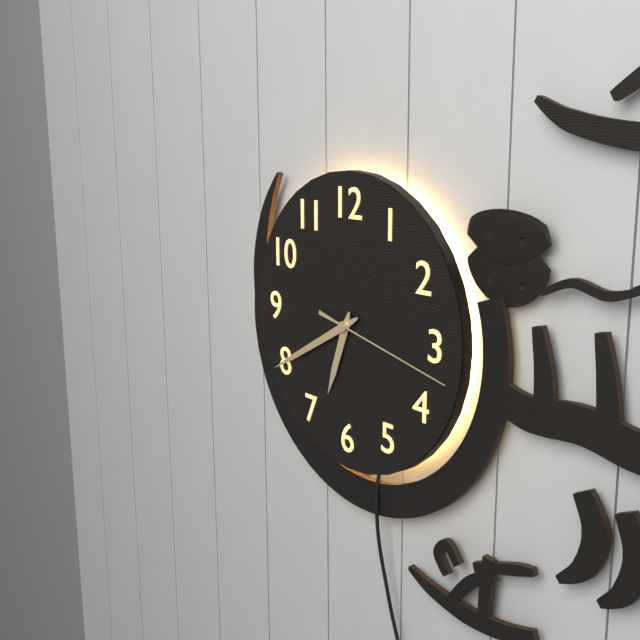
6:40:17
